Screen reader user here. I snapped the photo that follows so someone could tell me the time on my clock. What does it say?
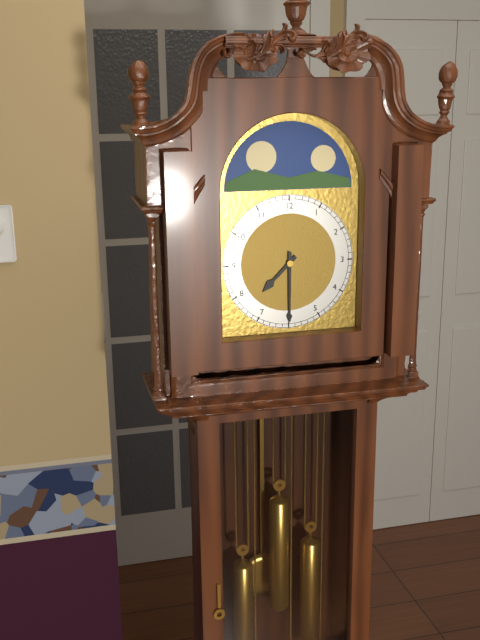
7:30
